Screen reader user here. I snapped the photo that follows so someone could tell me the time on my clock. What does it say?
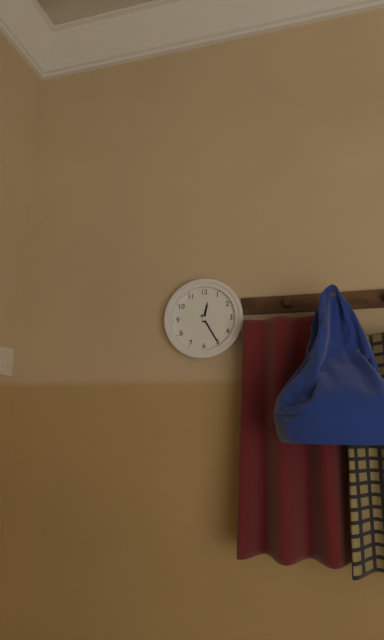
12:25
